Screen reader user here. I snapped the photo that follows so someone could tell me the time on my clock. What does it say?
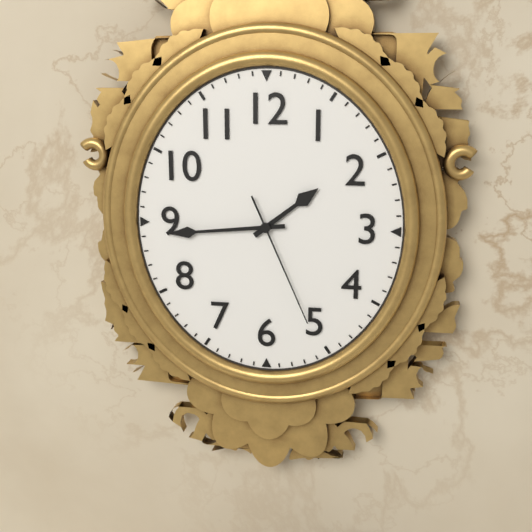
1:44:26
